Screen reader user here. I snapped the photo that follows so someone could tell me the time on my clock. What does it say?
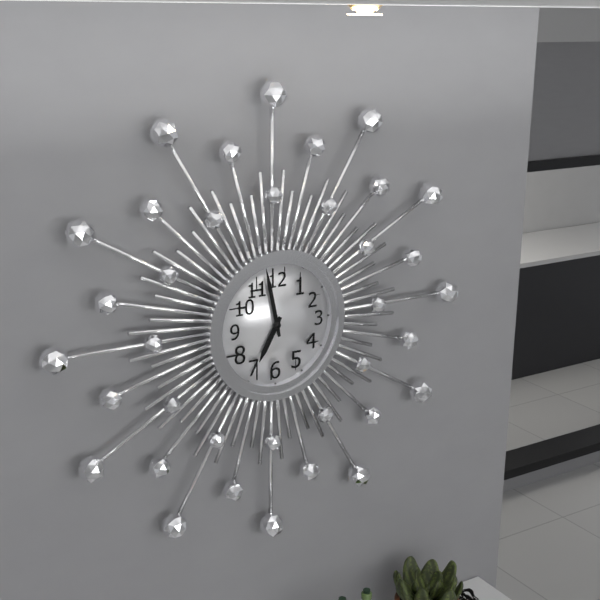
6:58
